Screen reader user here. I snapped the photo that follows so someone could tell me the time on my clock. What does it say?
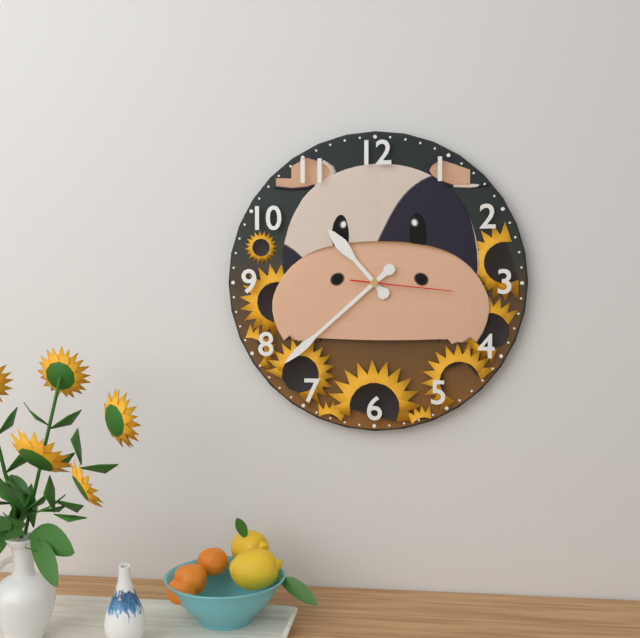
10:38:16
